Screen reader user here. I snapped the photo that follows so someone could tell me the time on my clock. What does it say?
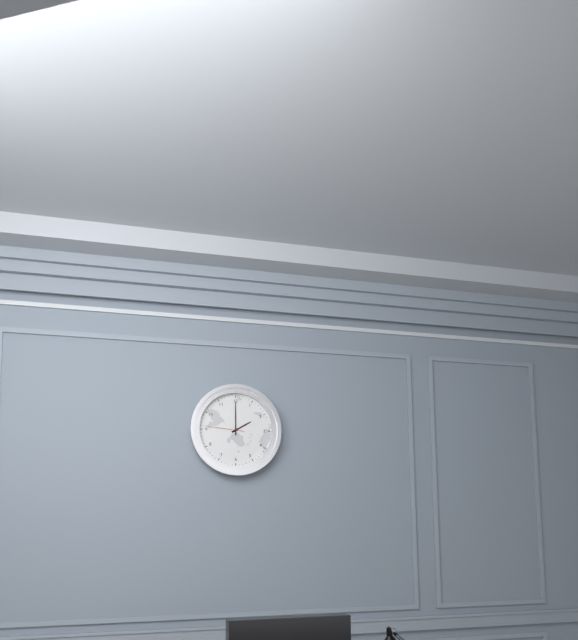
2:00
